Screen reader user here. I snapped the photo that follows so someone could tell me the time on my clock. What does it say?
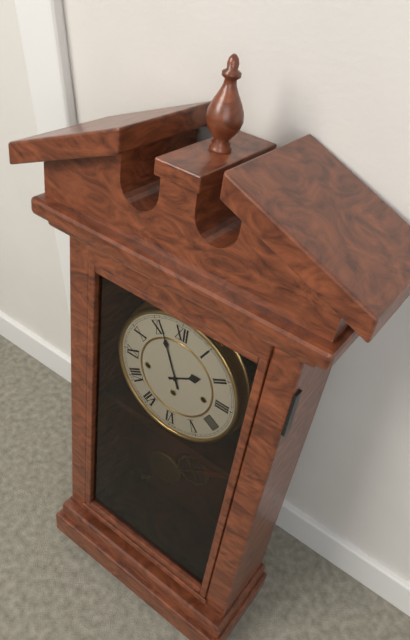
1:56
